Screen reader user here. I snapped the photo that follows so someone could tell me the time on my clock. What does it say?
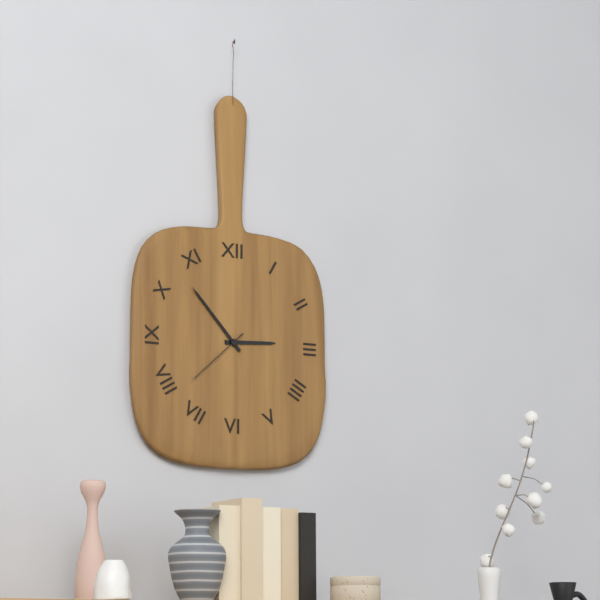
2:53:38
